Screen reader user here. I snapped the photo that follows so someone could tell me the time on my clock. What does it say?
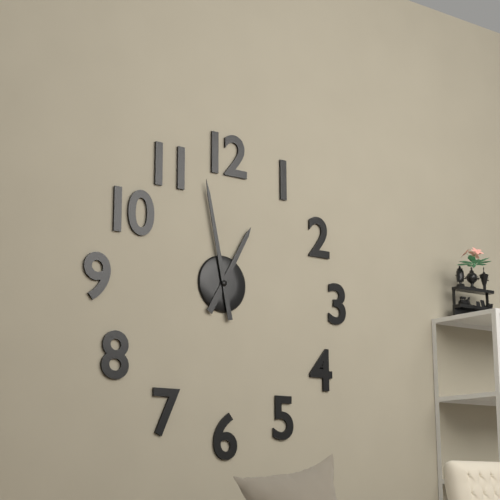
12:58
